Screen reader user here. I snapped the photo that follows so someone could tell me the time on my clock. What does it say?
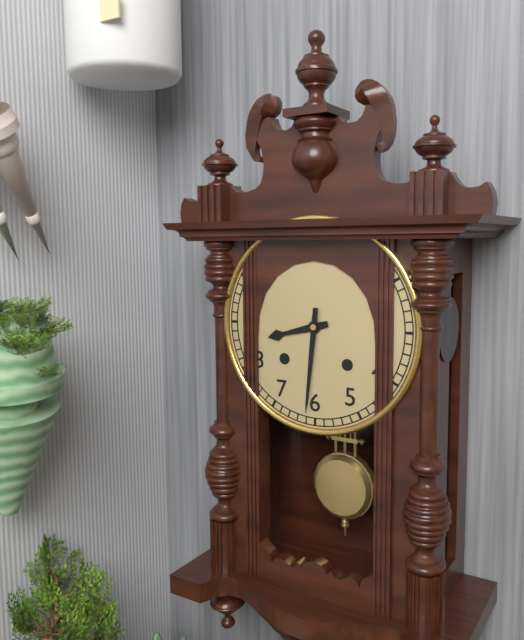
8:31
